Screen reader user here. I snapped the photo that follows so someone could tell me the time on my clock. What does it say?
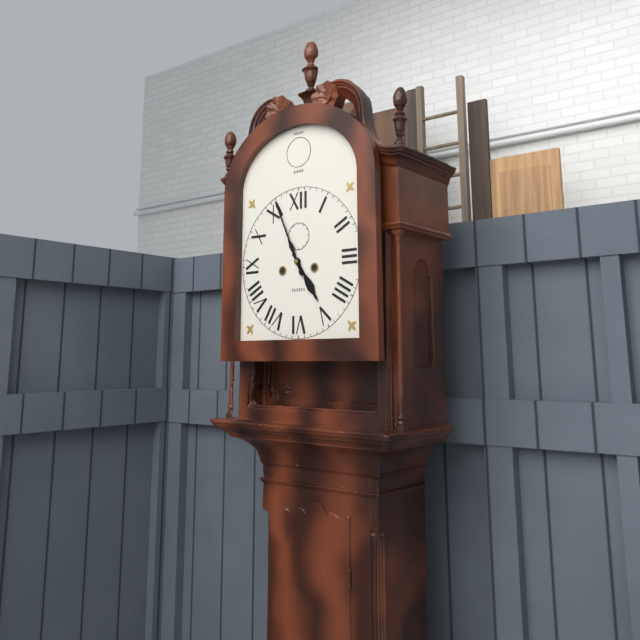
4:56
